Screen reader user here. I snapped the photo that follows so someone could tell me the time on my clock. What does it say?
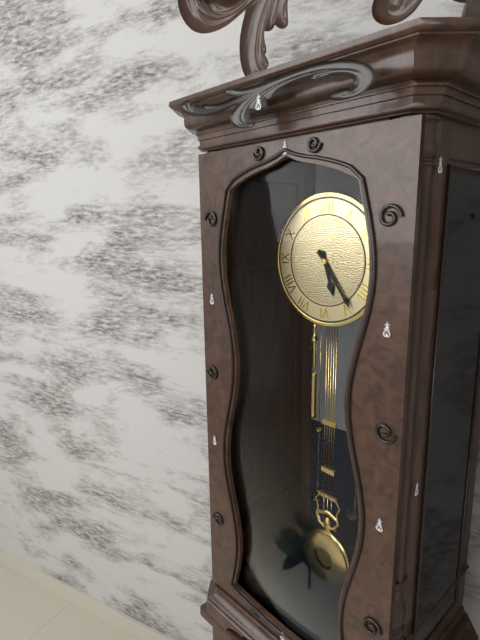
5:24
